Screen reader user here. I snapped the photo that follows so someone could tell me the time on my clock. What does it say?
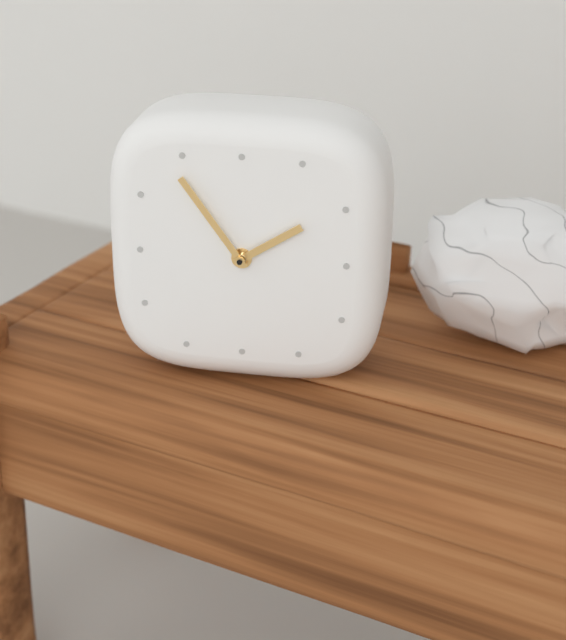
1:54
